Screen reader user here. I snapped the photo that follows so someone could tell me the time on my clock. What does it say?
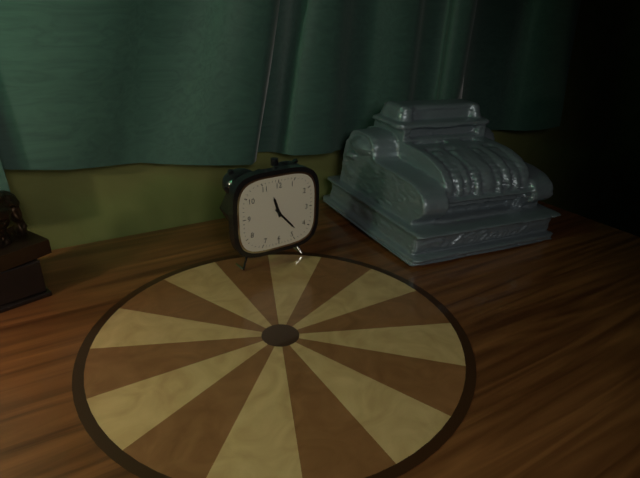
11:23
